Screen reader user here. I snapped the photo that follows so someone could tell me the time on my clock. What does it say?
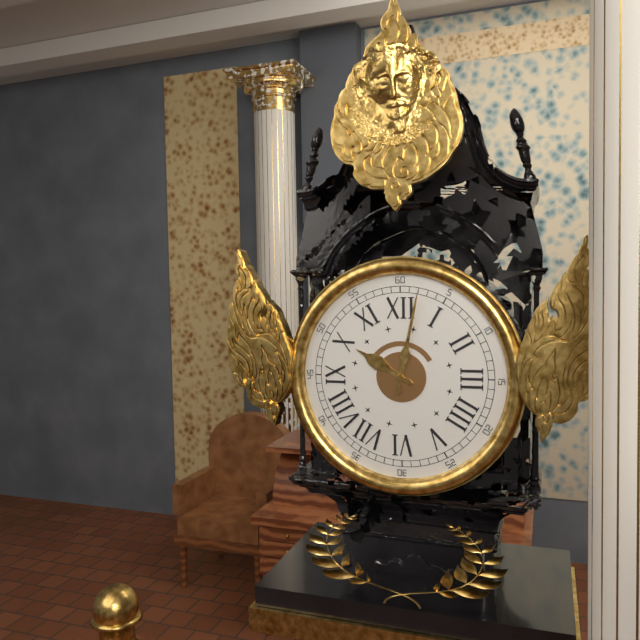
10:02
